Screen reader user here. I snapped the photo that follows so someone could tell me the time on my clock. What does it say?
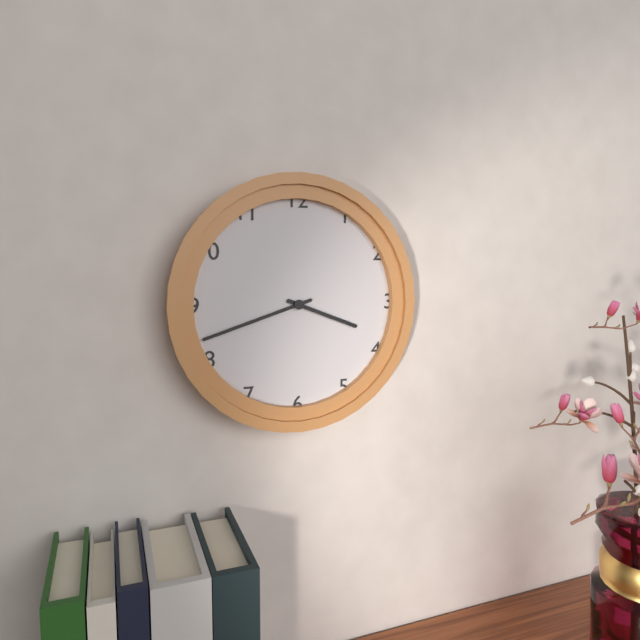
3:42
